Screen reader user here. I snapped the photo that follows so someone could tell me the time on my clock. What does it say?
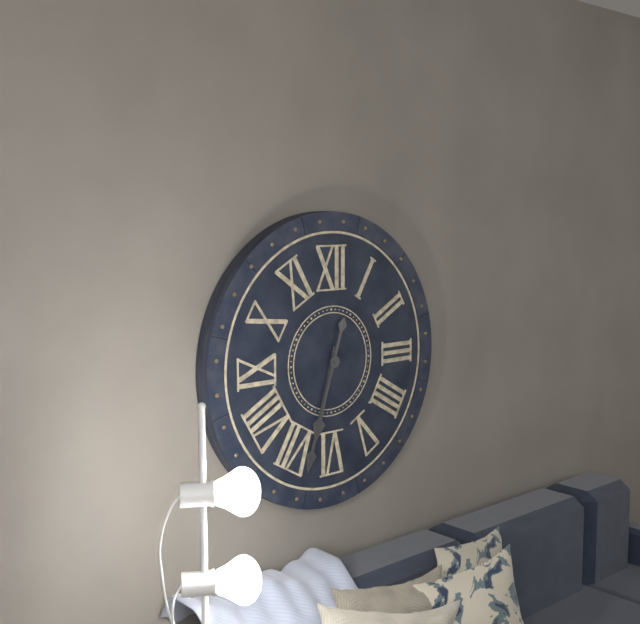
6:33
